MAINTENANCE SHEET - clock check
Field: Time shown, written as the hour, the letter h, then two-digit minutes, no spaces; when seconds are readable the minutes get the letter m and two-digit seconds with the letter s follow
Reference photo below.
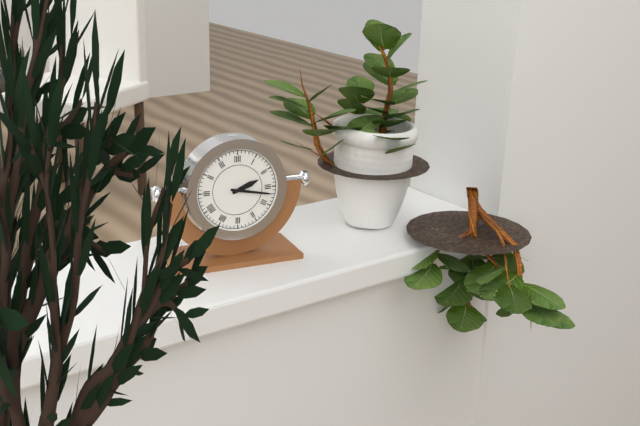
2h17
